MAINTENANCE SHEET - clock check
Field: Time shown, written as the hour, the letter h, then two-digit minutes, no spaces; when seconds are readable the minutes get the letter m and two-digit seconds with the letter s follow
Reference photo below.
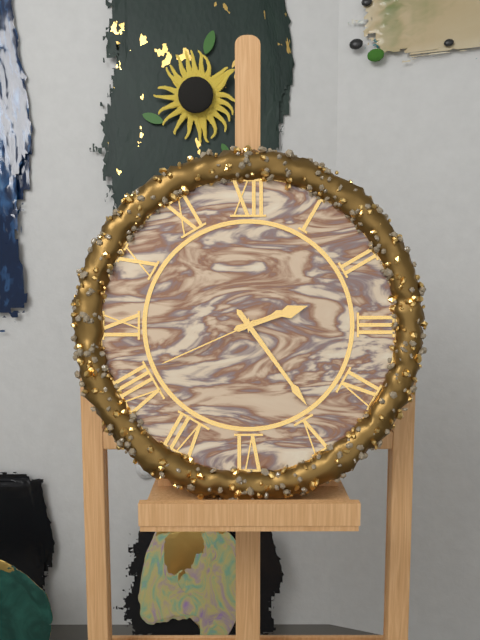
2h24m41s
